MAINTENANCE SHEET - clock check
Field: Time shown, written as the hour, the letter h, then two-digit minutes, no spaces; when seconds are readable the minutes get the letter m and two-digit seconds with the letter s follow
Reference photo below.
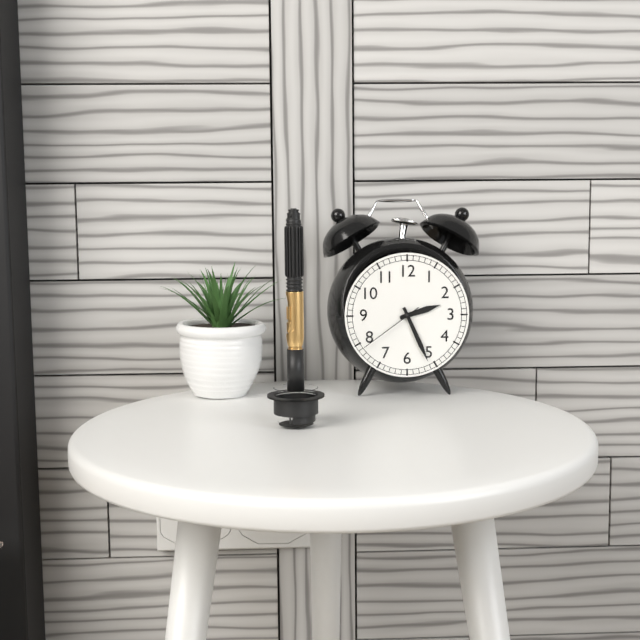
2h26m39s
